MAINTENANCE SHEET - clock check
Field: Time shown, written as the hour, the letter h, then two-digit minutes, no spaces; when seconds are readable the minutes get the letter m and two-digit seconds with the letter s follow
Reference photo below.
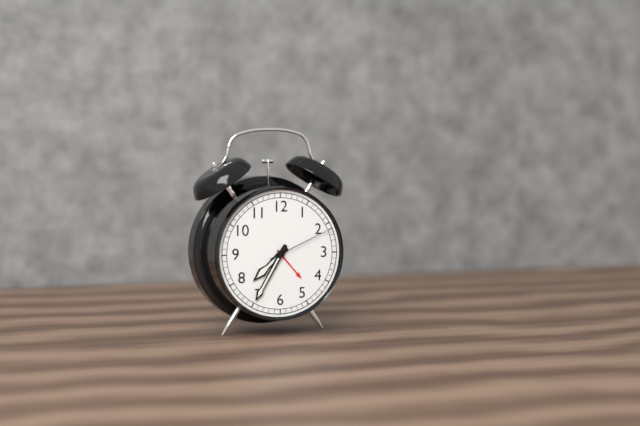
7h35m11s
